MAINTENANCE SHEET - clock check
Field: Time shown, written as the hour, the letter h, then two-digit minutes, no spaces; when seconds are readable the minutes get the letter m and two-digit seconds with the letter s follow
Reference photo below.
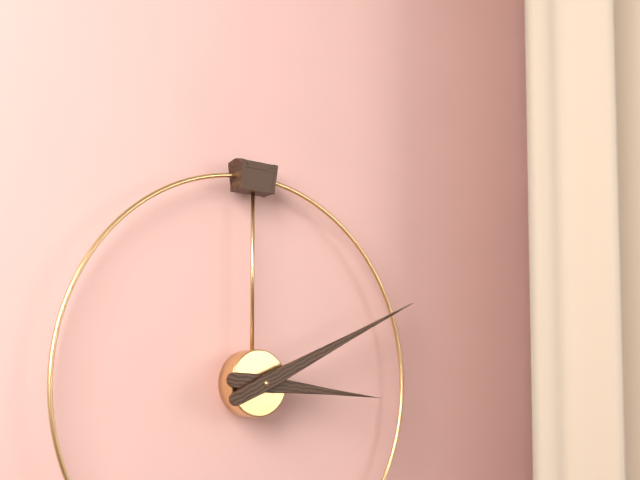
3h11
